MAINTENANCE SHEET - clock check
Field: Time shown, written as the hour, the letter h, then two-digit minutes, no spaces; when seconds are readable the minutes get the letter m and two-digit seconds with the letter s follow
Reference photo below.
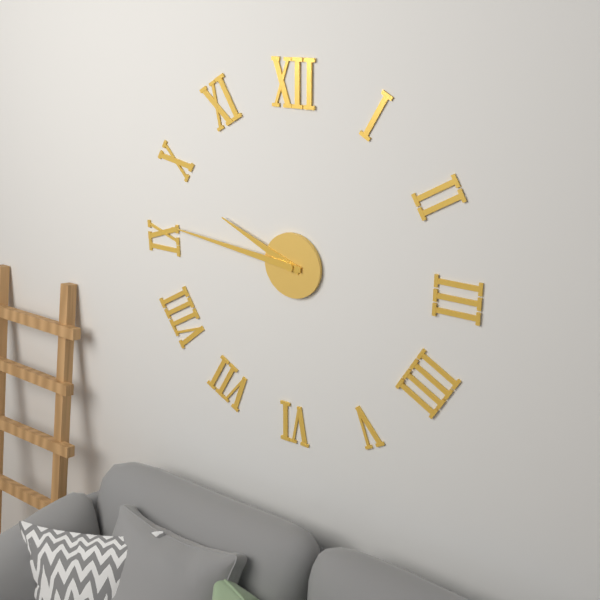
9h46
